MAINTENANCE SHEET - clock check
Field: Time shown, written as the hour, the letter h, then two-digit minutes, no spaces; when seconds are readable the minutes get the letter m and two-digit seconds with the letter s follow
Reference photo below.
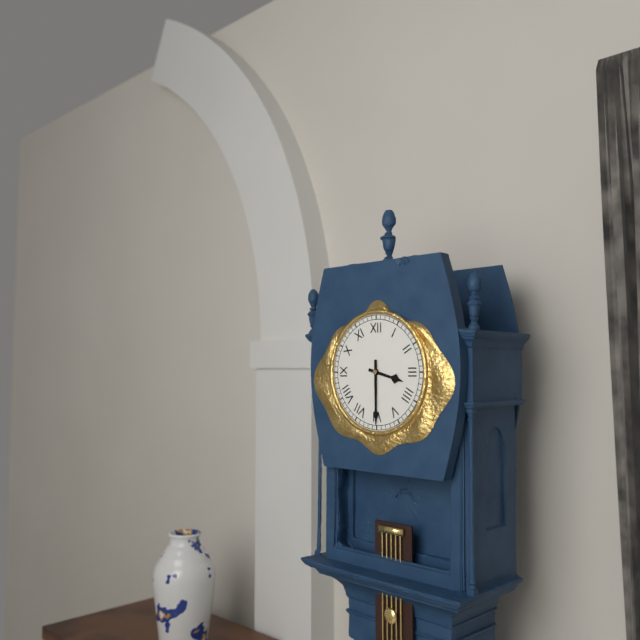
3h30
